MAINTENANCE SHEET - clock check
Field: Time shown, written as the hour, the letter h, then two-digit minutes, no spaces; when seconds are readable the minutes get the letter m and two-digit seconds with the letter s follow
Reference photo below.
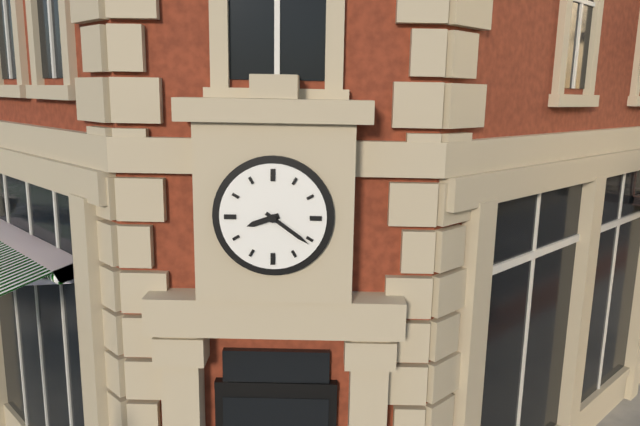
8h21
